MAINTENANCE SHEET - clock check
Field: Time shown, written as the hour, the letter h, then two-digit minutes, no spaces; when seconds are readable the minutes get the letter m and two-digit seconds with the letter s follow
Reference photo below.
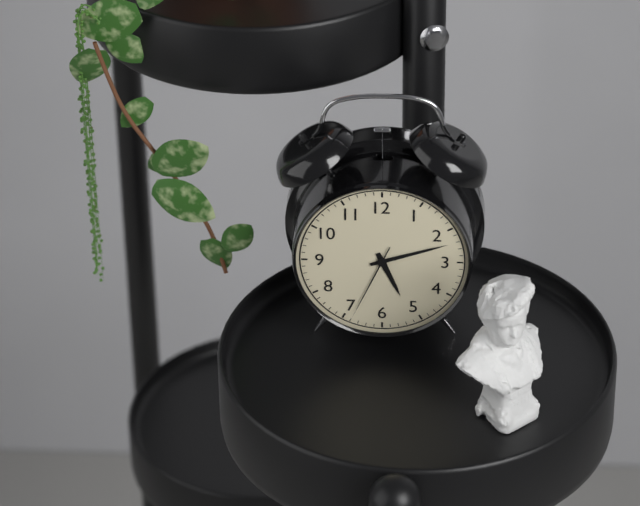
5h12m34s
